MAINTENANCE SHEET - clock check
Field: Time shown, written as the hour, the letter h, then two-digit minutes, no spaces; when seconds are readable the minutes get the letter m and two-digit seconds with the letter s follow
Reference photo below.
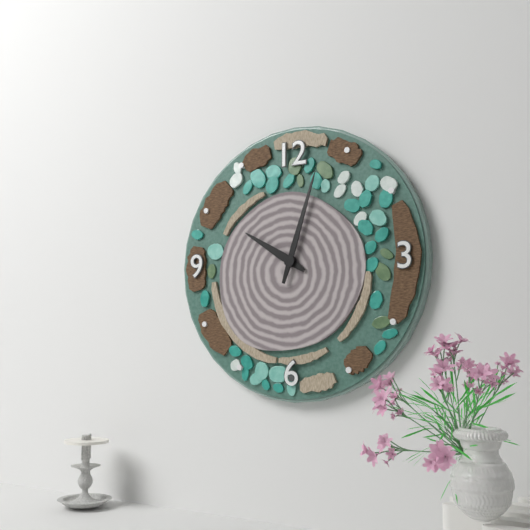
10h03
